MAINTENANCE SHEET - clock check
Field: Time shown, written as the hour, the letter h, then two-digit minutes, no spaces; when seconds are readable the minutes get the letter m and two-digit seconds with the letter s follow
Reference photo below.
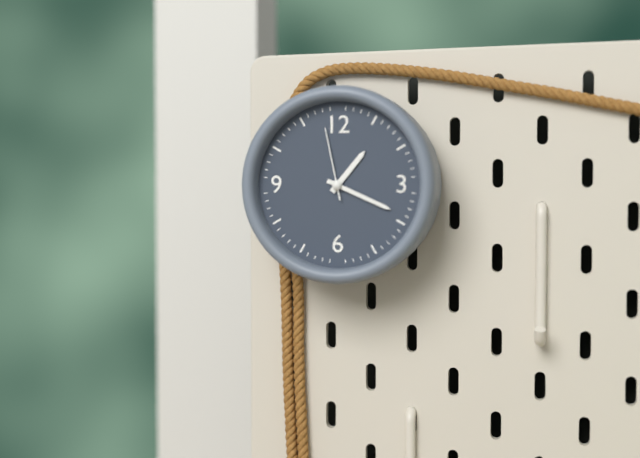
1h19m58s
